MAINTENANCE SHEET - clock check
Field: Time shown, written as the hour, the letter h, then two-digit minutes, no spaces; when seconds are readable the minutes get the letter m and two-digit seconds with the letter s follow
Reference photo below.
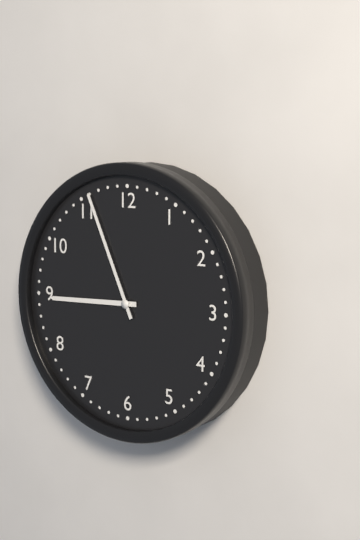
8h56
